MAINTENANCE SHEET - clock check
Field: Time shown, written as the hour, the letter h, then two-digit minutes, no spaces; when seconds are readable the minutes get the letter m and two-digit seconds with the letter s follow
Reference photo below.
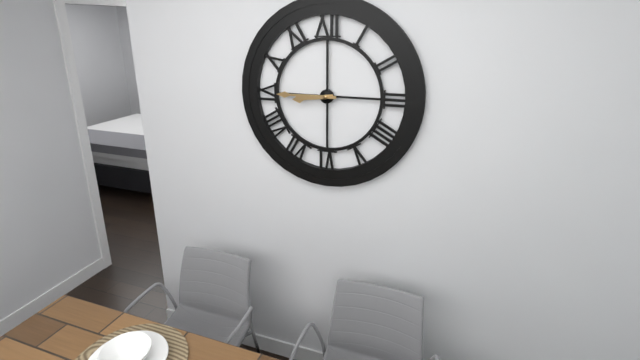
8h45
